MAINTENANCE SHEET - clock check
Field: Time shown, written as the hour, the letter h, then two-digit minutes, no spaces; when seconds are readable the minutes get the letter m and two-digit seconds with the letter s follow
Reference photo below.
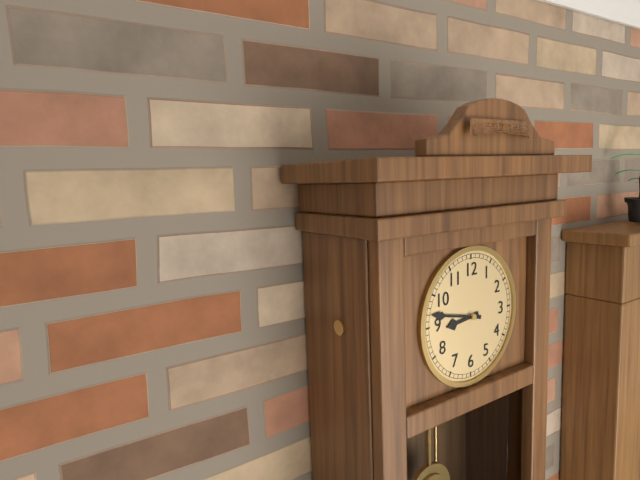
8h47
